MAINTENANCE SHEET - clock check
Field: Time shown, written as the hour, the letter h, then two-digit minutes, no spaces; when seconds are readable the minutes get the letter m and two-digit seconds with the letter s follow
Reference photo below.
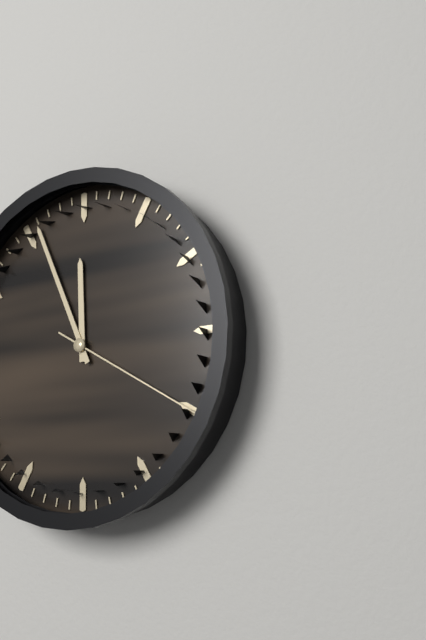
11h56m20s
